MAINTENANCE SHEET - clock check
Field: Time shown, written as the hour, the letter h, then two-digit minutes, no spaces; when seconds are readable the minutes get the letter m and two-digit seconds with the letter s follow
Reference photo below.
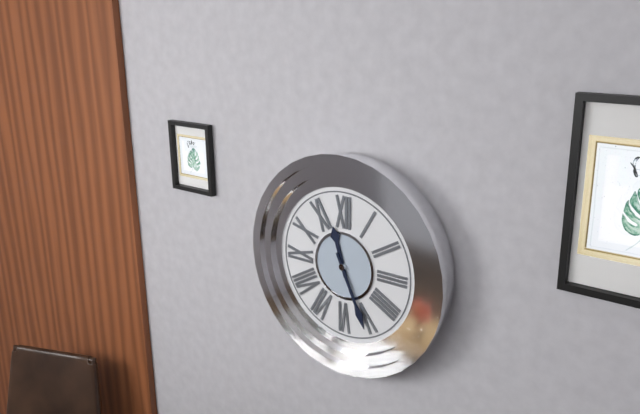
11h26
